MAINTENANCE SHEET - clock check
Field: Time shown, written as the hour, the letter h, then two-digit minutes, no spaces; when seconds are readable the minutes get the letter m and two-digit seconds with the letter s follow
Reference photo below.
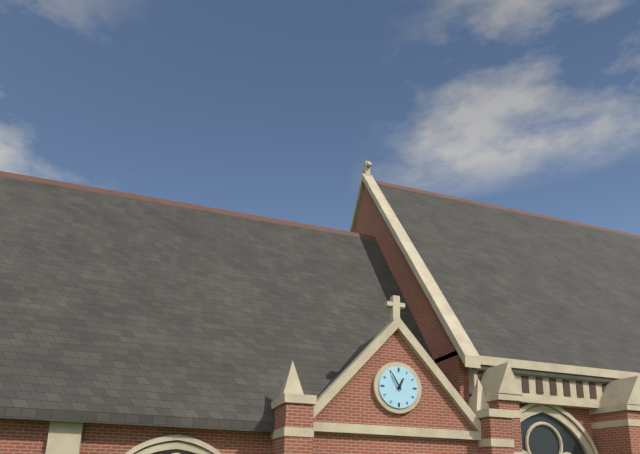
12h55
